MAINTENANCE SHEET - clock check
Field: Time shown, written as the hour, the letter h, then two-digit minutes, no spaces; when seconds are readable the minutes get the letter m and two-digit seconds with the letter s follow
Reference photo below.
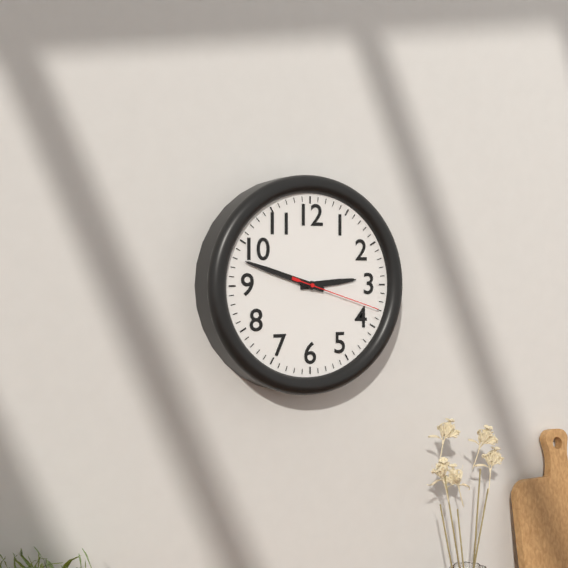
2h48m18s
